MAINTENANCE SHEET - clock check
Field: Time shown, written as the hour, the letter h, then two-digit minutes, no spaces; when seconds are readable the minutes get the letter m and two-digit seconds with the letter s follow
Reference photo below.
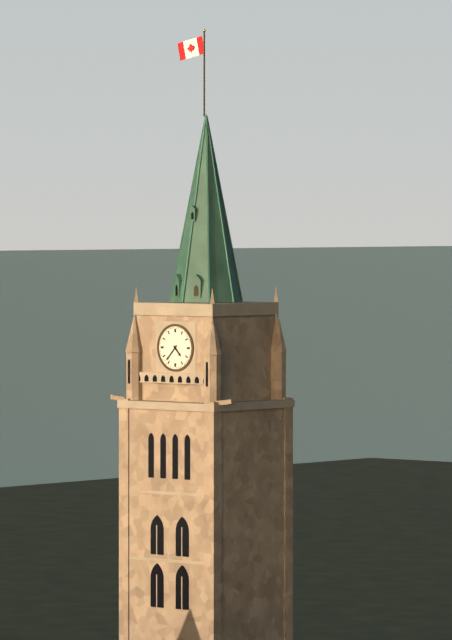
4h37
